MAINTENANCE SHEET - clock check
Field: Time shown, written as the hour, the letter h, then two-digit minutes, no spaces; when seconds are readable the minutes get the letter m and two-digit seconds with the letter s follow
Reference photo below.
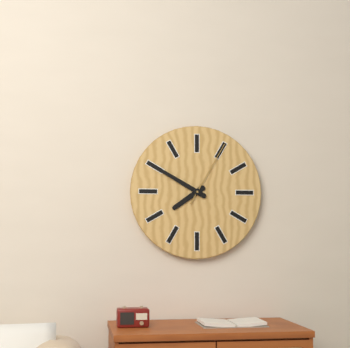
7h50m05s
